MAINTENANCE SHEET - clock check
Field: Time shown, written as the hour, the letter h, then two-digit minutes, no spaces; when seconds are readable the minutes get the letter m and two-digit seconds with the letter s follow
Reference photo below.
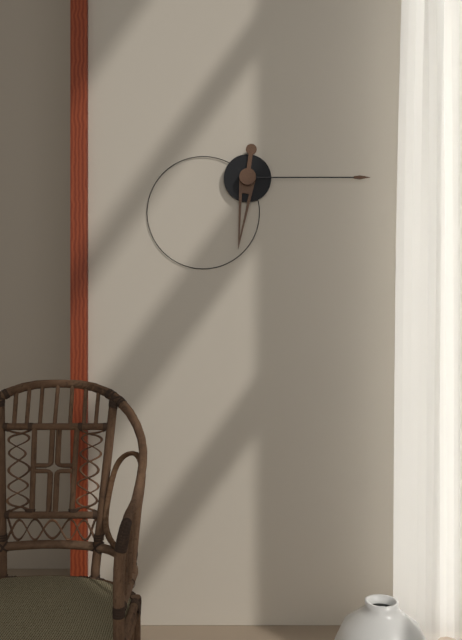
6h15
